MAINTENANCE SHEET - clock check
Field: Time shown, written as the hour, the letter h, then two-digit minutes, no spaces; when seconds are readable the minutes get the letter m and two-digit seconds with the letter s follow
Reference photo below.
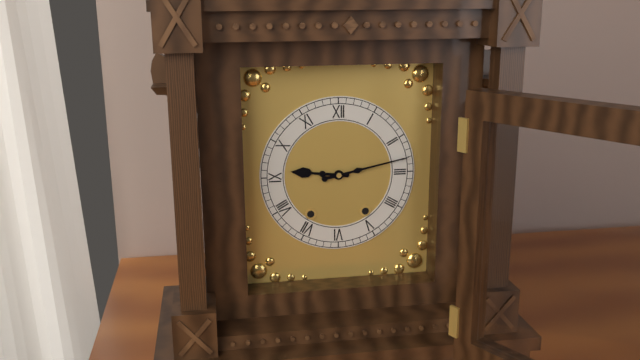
9h13
